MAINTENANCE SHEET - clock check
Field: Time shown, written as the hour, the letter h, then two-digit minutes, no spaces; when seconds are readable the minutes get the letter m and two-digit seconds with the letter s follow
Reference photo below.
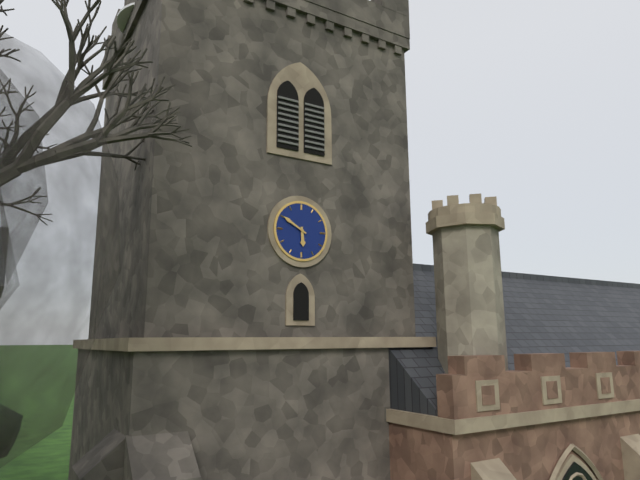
5h50
